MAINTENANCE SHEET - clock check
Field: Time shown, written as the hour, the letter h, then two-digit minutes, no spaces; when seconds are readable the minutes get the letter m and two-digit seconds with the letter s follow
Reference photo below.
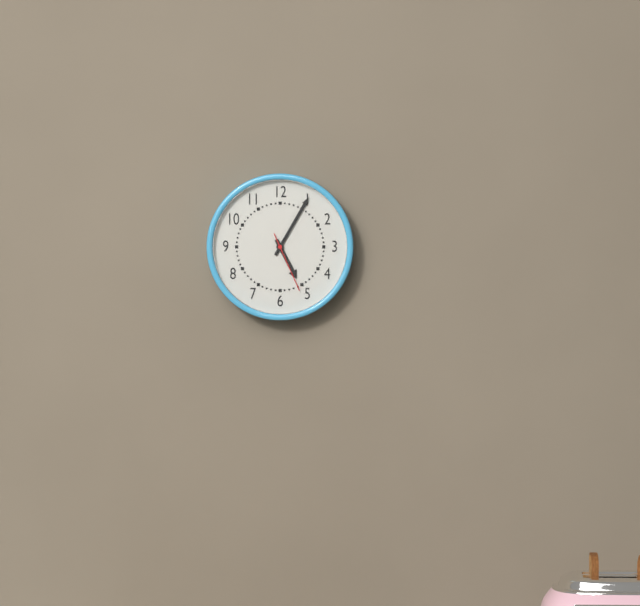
5h05m26s
